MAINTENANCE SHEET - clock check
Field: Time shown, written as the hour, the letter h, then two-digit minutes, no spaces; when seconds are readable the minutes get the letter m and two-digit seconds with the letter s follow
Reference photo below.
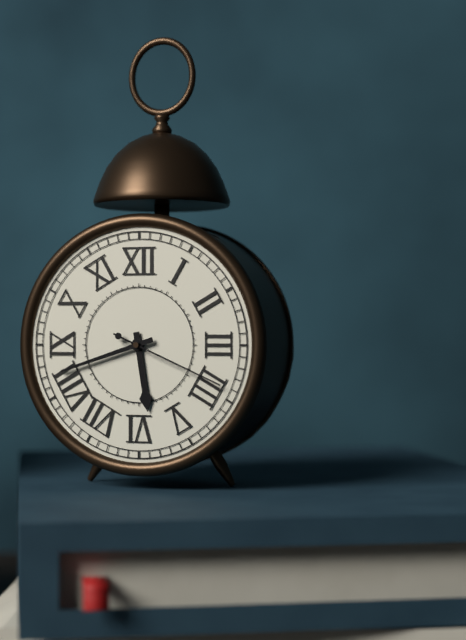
5h42m19s
